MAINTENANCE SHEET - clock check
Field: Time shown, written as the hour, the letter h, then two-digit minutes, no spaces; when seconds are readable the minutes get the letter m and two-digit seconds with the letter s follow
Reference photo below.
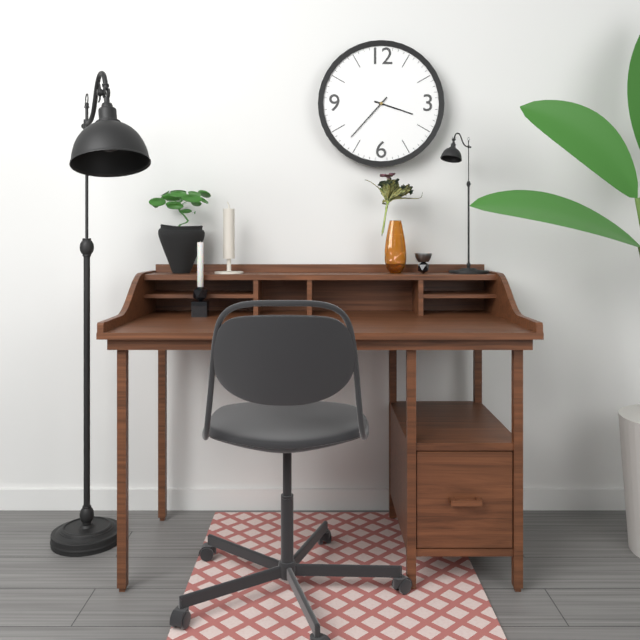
3h37
